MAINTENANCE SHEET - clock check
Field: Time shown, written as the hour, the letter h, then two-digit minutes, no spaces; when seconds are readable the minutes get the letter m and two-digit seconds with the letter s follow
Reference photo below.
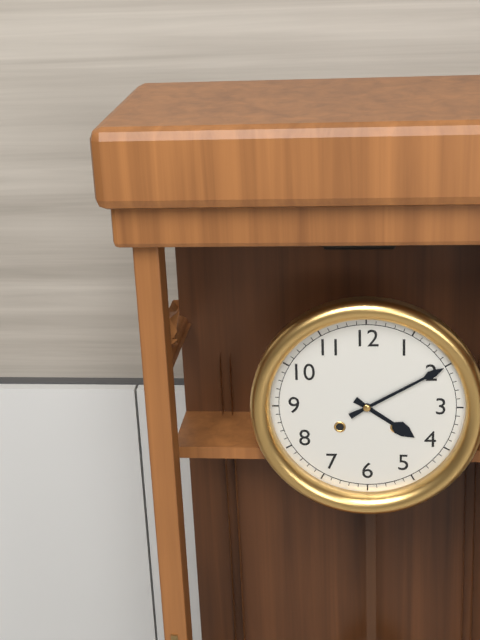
4h10
